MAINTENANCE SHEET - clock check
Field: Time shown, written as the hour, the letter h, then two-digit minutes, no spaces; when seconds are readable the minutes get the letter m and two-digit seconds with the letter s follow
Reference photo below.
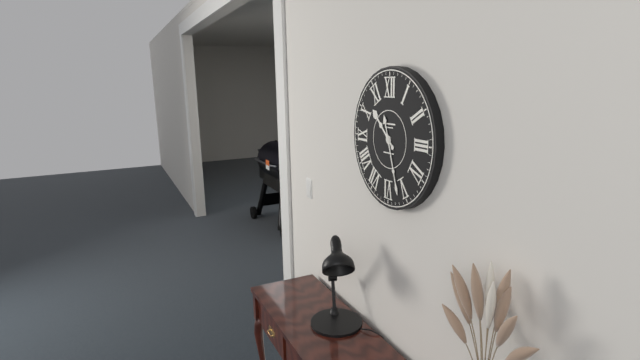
10h27
